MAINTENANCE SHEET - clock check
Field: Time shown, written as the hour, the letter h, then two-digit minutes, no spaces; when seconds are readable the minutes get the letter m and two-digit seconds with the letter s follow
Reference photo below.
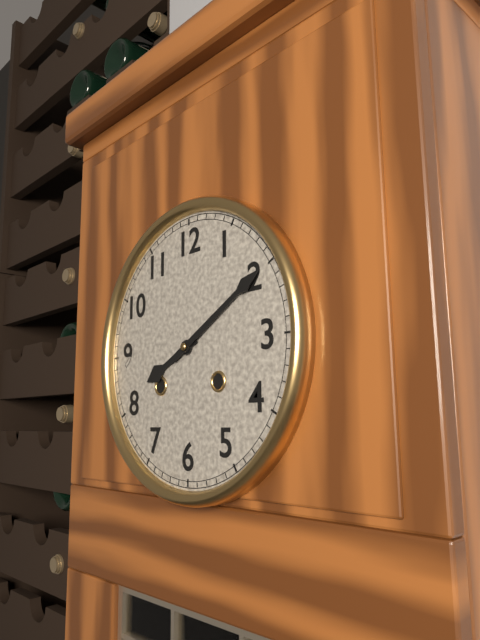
8h10
